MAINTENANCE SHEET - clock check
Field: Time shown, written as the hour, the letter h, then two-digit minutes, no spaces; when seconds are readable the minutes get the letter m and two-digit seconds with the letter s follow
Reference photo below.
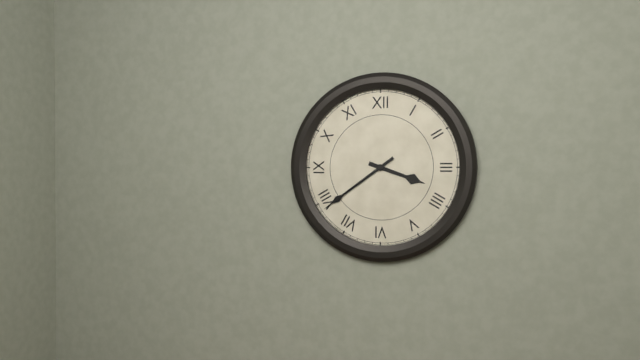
3h39
